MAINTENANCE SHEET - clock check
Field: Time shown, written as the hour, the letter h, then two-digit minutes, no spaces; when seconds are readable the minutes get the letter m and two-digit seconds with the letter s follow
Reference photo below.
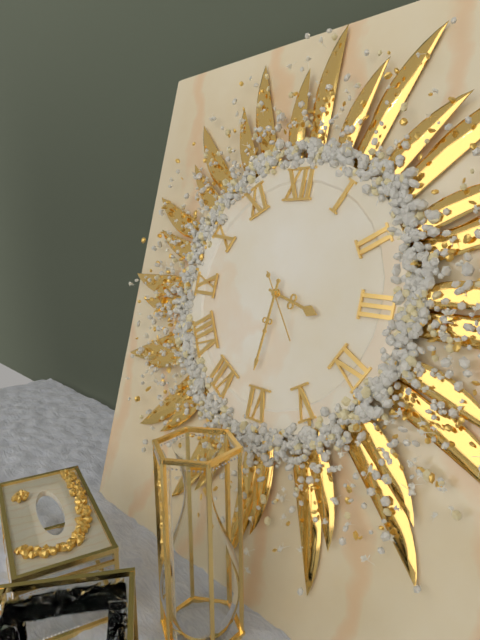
3h31m24s
